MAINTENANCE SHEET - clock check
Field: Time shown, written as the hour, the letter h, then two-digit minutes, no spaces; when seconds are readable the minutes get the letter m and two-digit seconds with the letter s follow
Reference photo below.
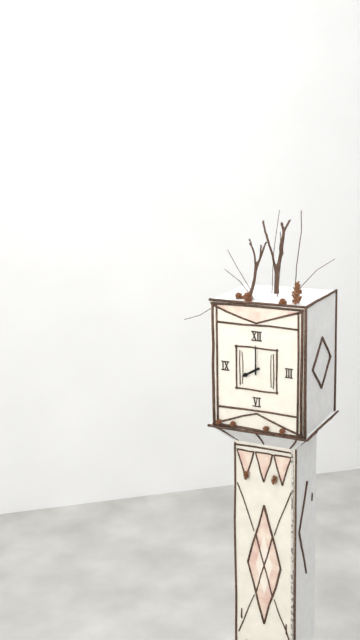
8h00
